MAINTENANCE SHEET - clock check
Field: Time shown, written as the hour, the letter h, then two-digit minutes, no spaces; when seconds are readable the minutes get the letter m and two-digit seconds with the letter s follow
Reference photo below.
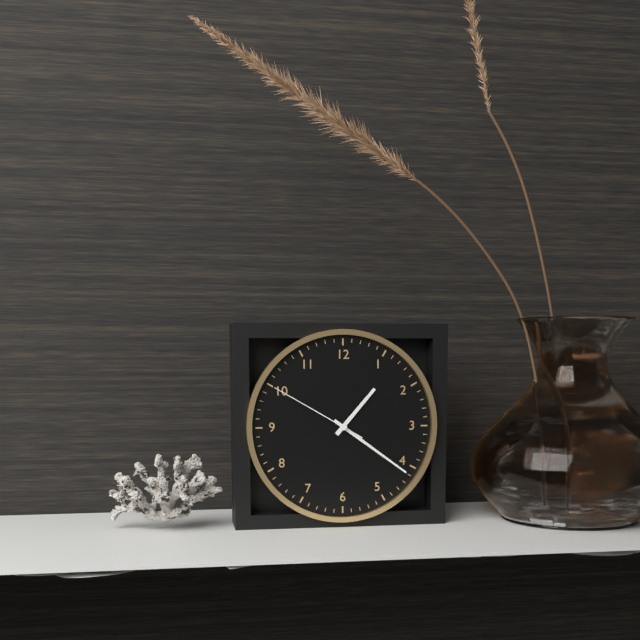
1h21m50s
